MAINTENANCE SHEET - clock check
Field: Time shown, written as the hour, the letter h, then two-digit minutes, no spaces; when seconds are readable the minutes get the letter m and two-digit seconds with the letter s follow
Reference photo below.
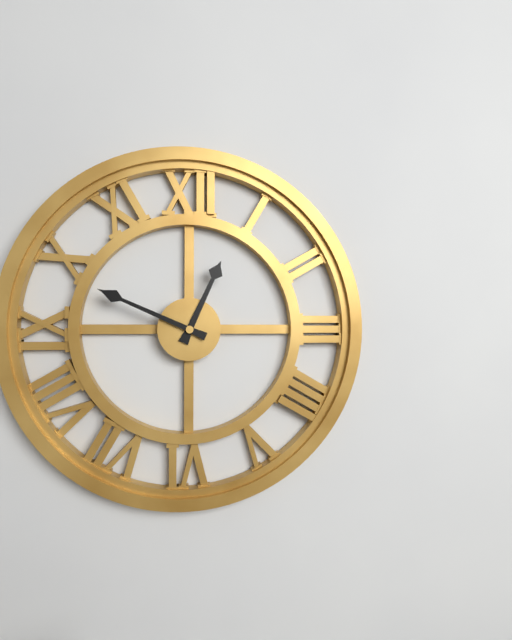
12h49
